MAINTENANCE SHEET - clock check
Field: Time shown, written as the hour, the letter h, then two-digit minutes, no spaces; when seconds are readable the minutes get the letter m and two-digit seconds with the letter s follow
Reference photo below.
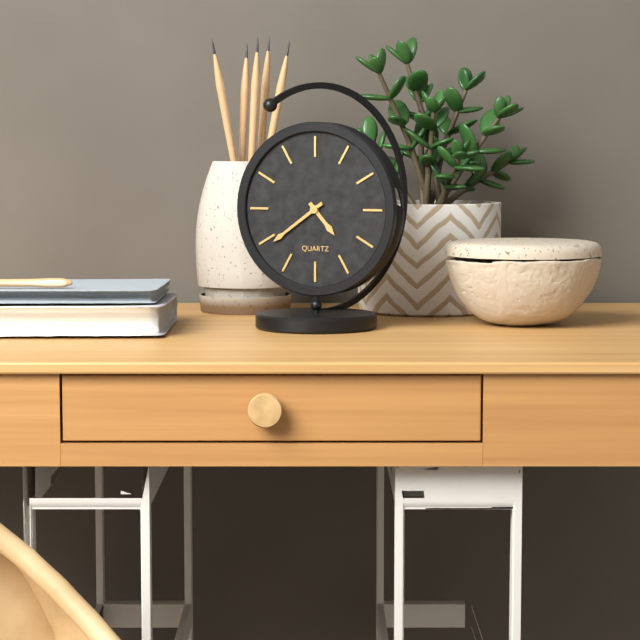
4h39
